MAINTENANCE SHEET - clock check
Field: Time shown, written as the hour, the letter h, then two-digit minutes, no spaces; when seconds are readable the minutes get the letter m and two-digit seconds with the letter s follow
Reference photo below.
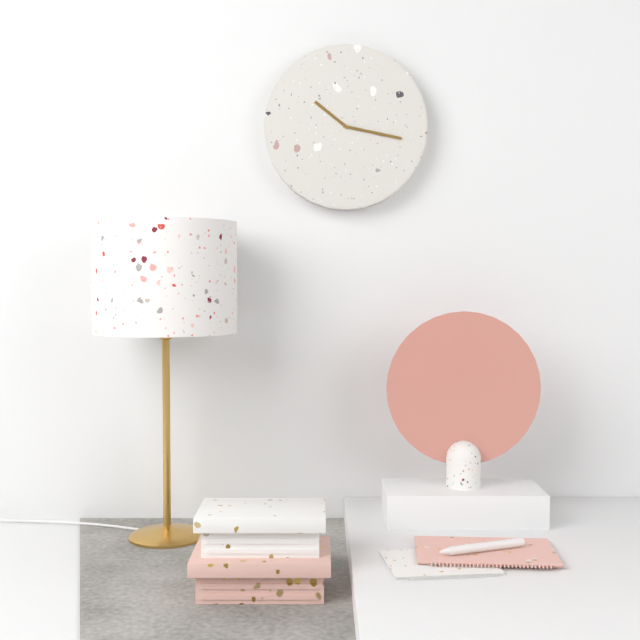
10h17
